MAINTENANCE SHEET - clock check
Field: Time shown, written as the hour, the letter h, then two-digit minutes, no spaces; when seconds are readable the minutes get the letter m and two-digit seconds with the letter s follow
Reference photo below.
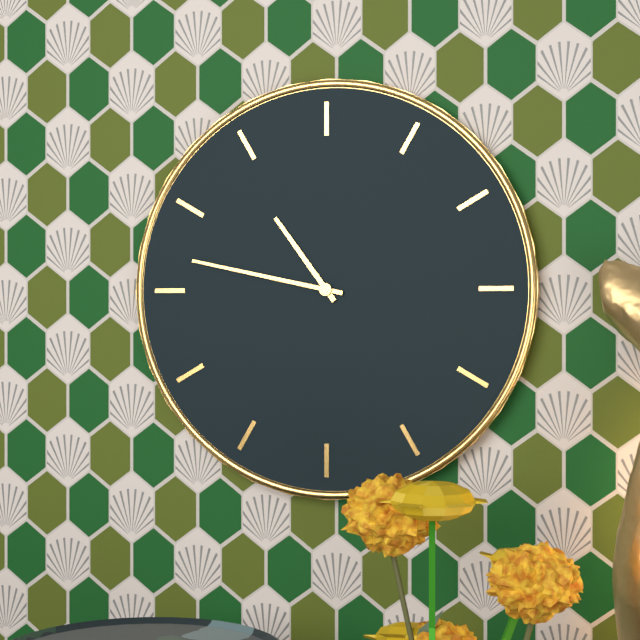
10h47
